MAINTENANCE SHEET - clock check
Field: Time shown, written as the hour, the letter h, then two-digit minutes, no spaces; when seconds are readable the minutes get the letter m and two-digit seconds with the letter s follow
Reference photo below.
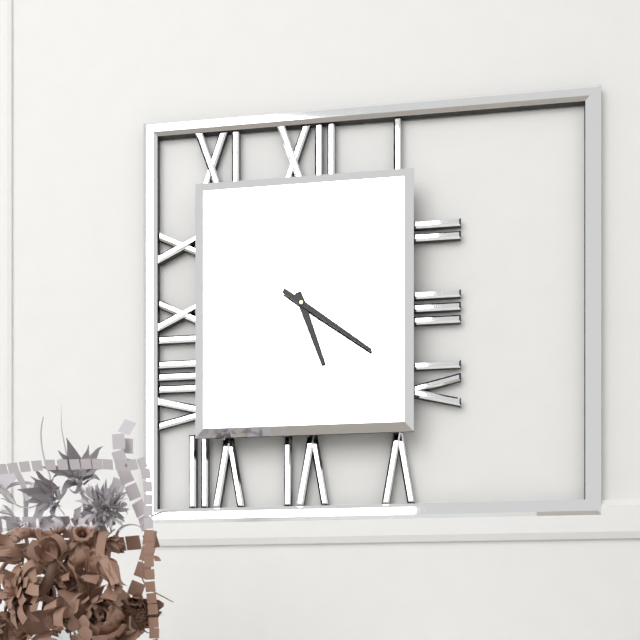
5h21
